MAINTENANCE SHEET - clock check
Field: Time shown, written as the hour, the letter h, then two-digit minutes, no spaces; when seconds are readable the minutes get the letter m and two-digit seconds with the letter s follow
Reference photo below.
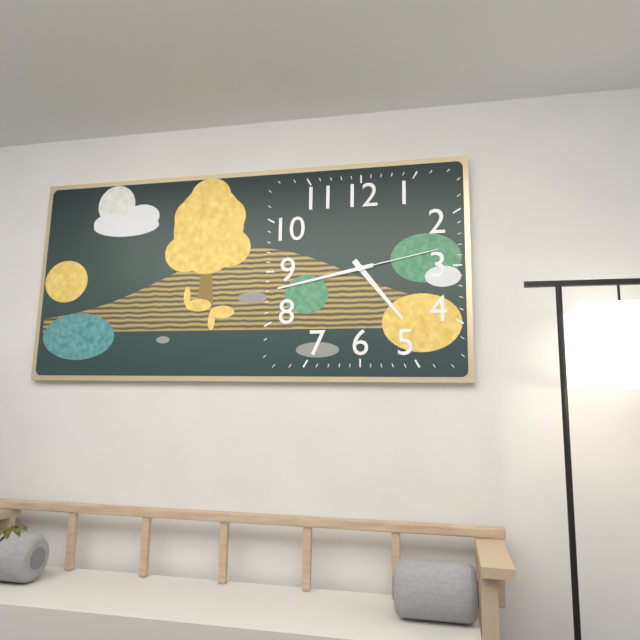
4h43m13s
